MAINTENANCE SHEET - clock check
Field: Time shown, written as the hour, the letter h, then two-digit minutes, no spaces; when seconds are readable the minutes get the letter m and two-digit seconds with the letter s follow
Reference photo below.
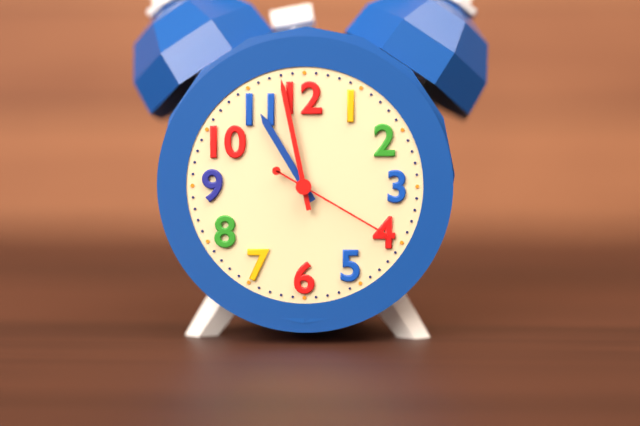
10h58m20s
